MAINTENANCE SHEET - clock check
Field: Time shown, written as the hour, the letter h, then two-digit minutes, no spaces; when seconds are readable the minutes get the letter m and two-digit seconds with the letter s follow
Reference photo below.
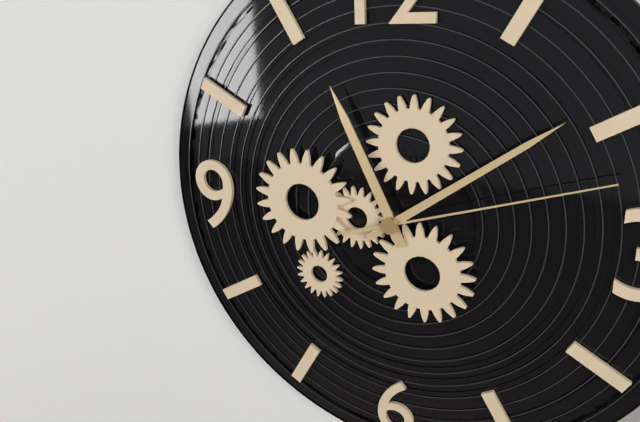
11h09m12s
